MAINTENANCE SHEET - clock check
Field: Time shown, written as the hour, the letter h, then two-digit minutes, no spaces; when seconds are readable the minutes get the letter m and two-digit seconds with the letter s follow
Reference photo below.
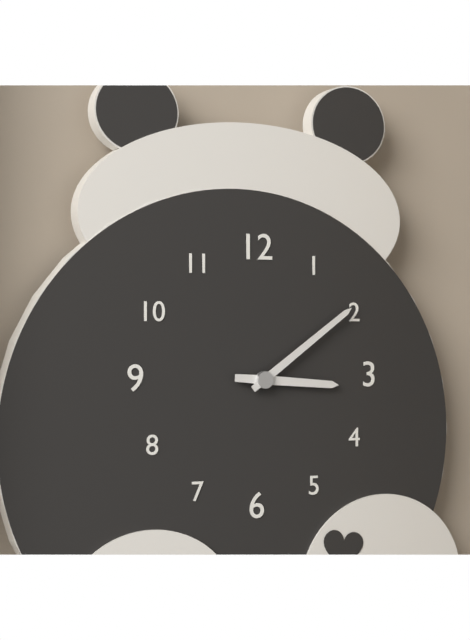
3h09
